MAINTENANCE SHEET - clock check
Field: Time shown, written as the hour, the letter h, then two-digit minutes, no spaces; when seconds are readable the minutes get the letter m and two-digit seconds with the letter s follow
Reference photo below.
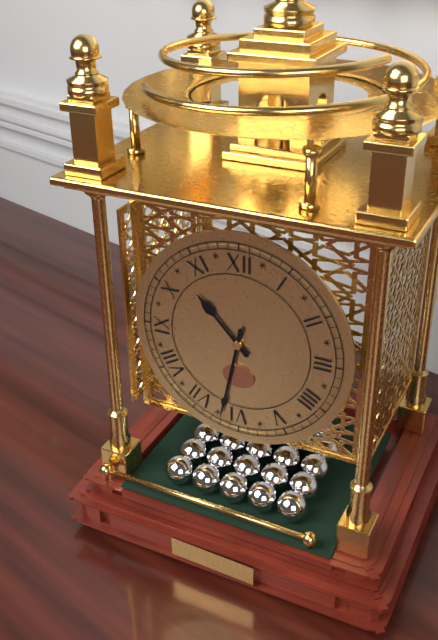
10h32
